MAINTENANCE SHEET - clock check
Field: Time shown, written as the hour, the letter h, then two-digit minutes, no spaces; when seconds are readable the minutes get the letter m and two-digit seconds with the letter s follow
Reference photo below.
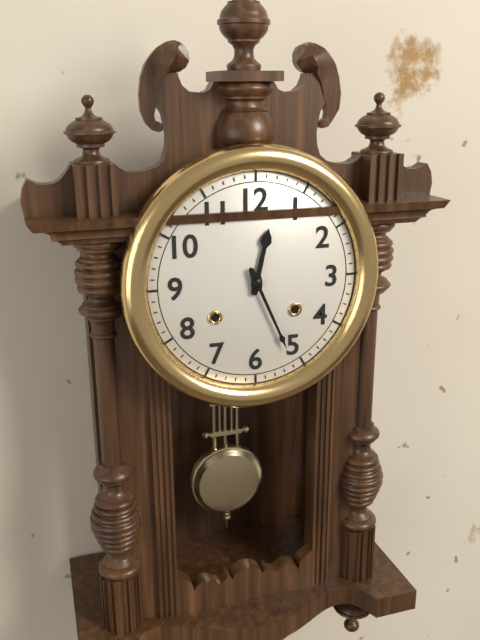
12h26
